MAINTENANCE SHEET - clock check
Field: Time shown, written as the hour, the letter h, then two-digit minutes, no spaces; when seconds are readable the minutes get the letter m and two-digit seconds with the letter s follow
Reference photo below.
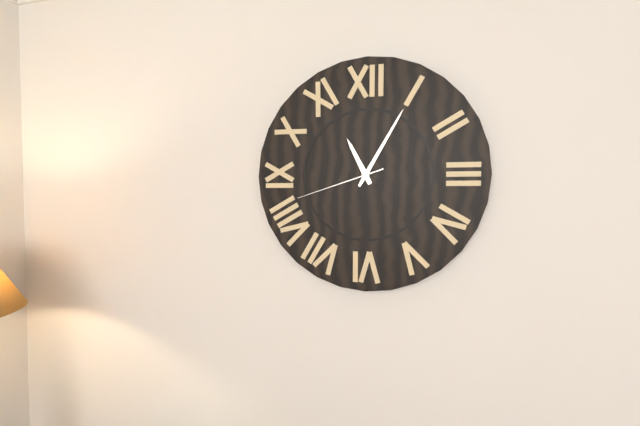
11h05m42s
